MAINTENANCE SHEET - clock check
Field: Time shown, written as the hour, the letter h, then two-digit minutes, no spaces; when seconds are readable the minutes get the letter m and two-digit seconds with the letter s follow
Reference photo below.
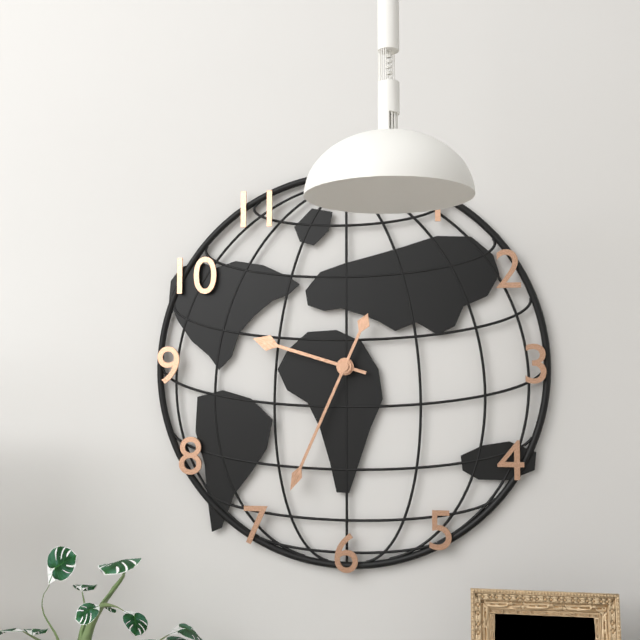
9h34
